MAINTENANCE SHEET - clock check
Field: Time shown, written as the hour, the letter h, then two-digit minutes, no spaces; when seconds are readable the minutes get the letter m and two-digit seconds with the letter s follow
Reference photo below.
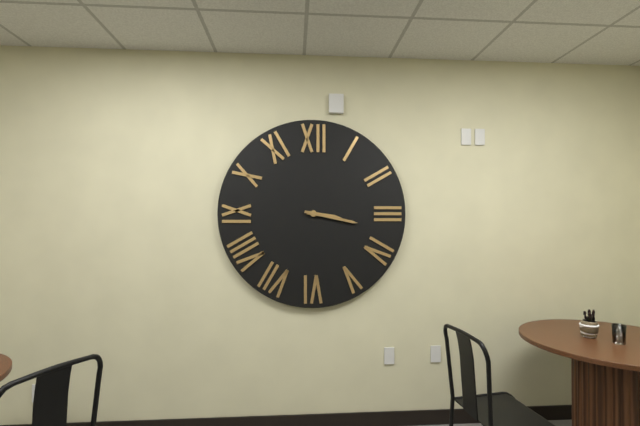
3h17
